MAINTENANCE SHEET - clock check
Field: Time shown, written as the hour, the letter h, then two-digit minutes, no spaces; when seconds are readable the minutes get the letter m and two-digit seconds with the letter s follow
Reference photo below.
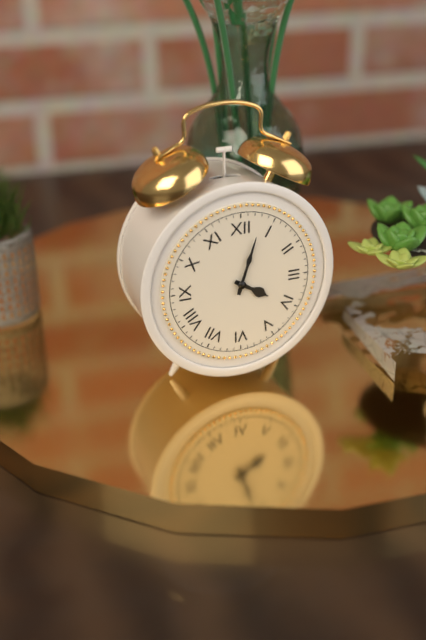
4h03
